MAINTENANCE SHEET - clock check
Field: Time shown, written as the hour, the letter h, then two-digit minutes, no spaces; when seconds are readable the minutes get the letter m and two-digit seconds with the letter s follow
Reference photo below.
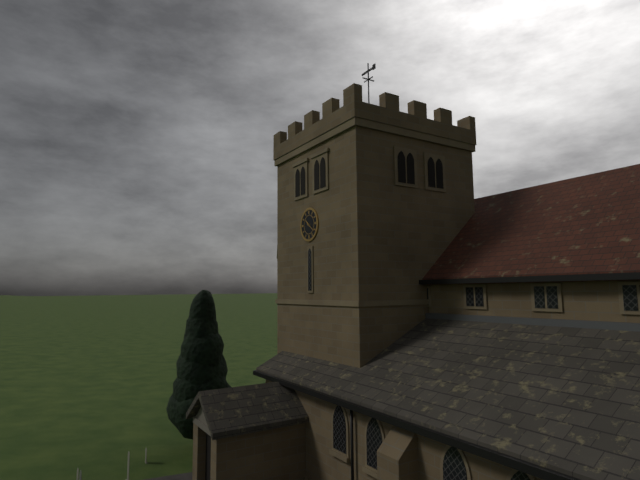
10h21
